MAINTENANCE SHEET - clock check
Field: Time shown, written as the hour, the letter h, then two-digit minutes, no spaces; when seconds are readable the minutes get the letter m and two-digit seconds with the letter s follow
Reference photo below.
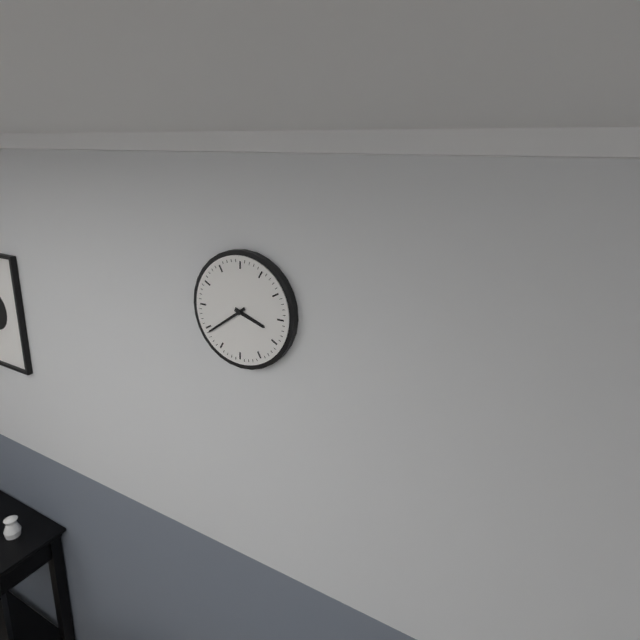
3h39
